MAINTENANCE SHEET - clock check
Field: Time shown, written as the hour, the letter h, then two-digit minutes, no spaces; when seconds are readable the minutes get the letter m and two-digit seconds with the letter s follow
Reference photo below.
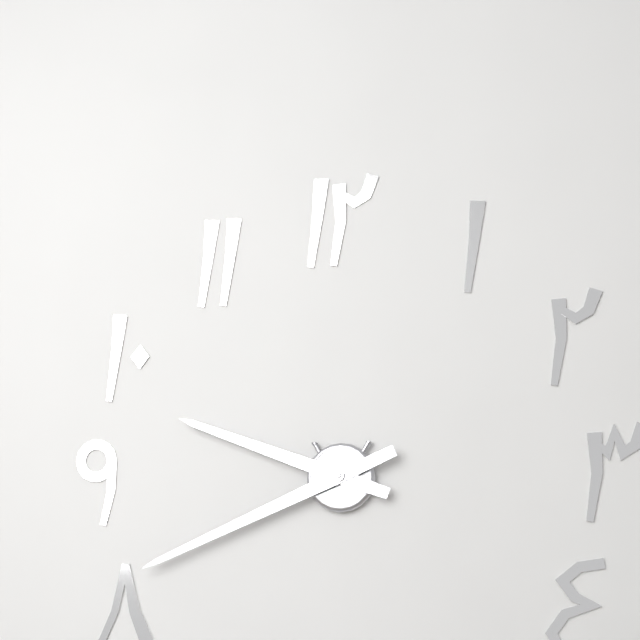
9h41
